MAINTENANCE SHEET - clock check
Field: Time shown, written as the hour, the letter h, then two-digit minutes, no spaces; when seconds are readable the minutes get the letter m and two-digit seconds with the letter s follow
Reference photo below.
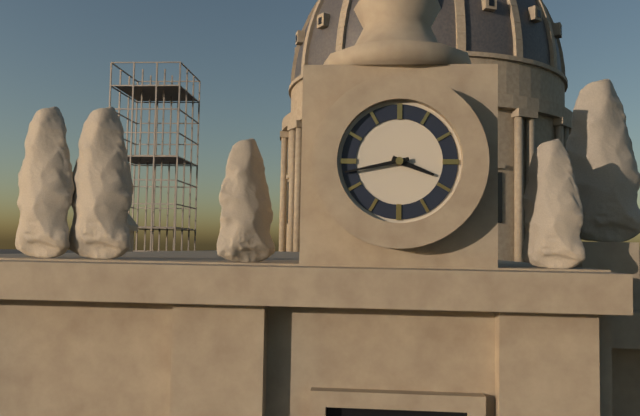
3h43
